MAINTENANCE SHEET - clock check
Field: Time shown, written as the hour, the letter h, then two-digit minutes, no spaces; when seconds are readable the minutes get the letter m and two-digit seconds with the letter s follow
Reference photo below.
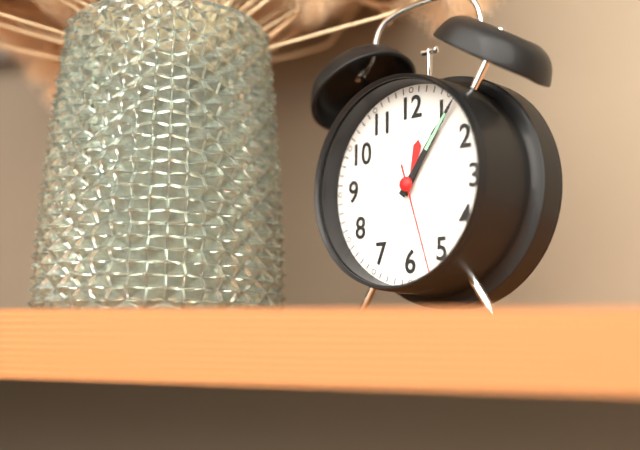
1h06m27s
